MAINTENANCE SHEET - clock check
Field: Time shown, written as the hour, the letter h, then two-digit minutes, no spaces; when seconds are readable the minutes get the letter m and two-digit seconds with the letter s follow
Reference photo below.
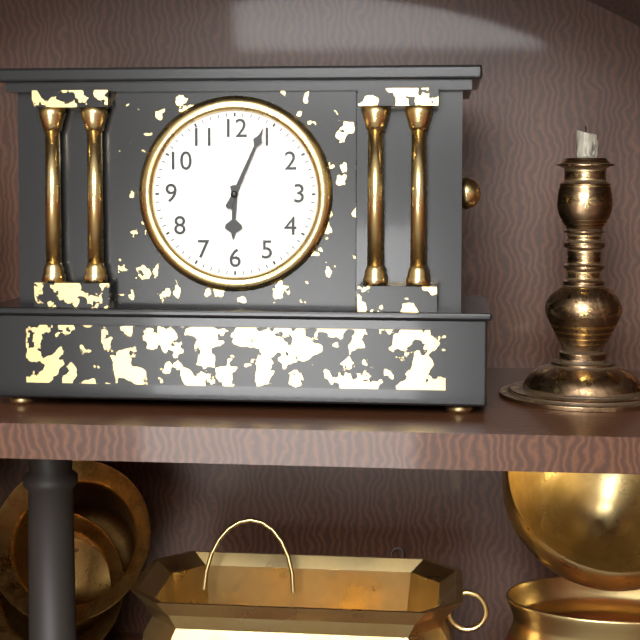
6h04
